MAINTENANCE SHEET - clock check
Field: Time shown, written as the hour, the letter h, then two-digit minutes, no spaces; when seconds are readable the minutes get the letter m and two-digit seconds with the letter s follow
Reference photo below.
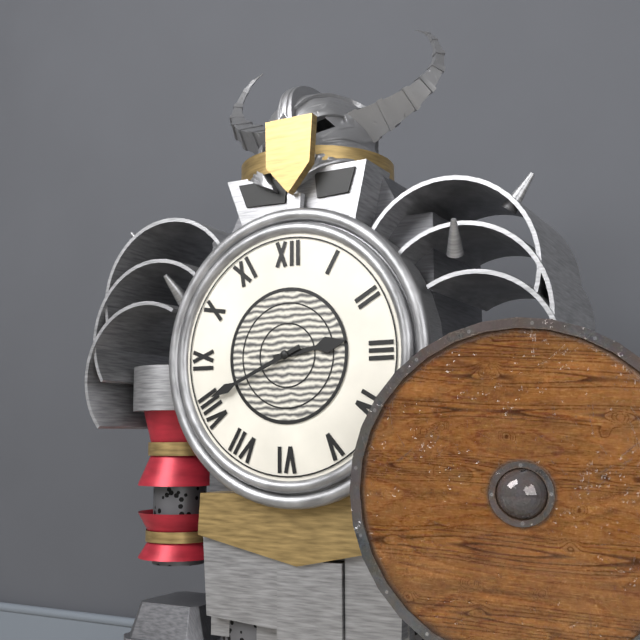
2h41
